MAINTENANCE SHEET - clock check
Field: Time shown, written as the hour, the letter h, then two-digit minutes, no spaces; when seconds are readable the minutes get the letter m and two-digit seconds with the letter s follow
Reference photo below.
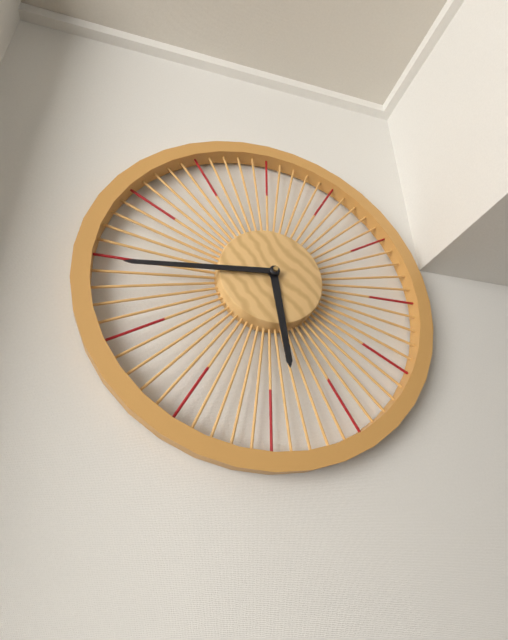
5h44
